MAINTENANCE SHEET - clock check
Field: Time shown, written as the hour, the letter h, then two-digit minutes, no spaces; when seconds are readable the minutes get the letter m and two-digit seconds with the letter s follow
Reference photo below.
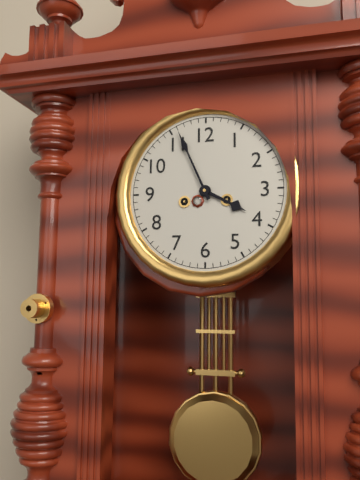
3h56
